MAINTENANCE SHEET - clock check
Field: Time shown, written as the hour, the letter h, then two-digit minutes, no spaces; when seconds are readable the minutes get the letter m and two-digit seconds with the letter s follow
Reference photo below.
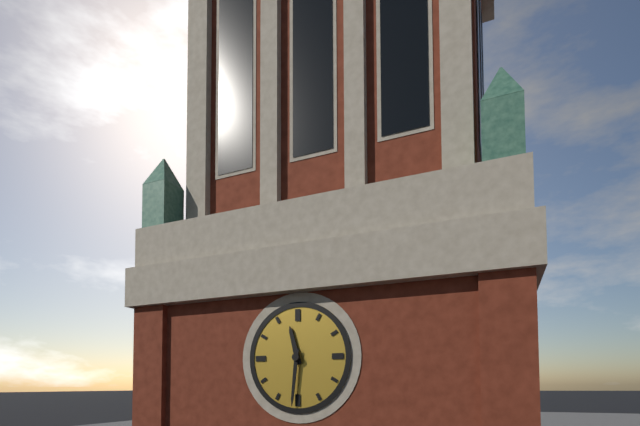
11h31
